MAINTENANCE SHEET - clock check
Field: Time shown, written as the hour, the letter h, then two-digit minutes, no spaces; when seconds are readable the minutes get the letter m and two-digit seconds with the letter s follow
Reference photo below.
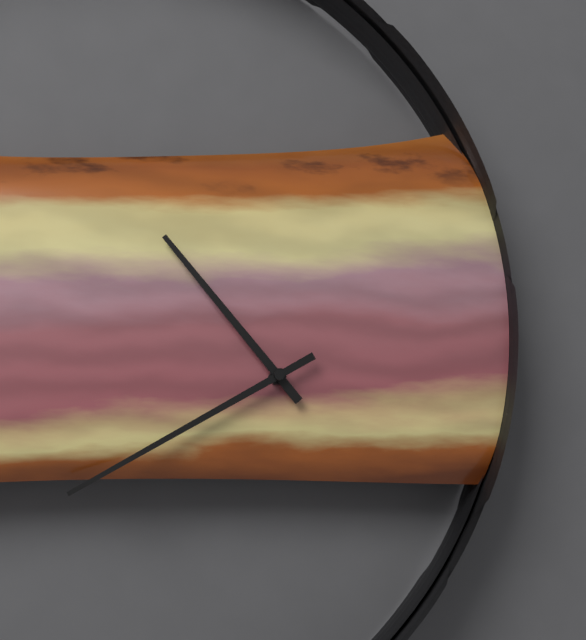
10h40
